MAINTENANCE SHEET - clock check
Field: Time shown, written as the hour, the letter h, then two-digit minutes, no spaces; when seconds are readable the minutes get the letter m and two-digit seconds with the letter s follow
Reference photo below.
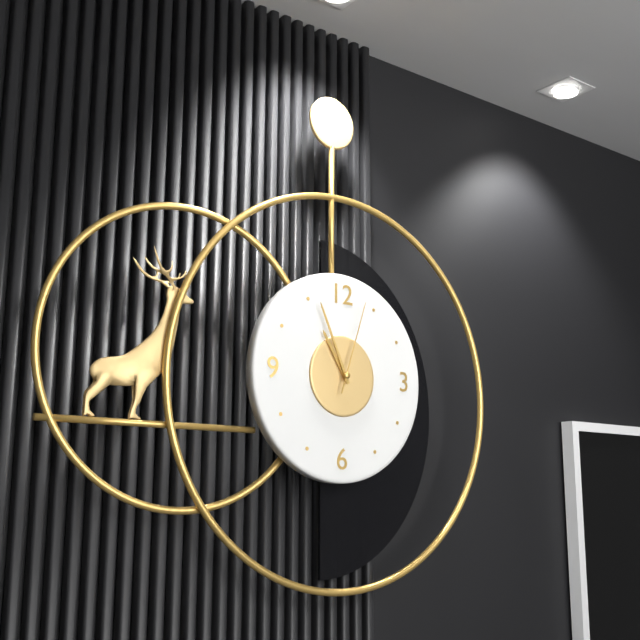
10h56m03s
